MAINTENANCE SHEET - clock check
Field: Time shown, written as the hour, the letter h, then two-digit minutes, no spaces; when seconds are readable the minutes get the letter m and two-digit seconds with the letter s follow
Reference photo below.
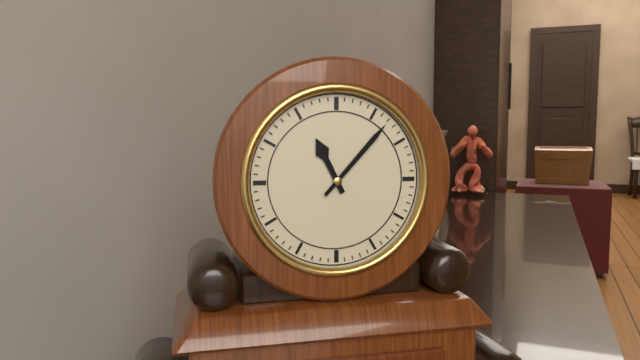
11h07
